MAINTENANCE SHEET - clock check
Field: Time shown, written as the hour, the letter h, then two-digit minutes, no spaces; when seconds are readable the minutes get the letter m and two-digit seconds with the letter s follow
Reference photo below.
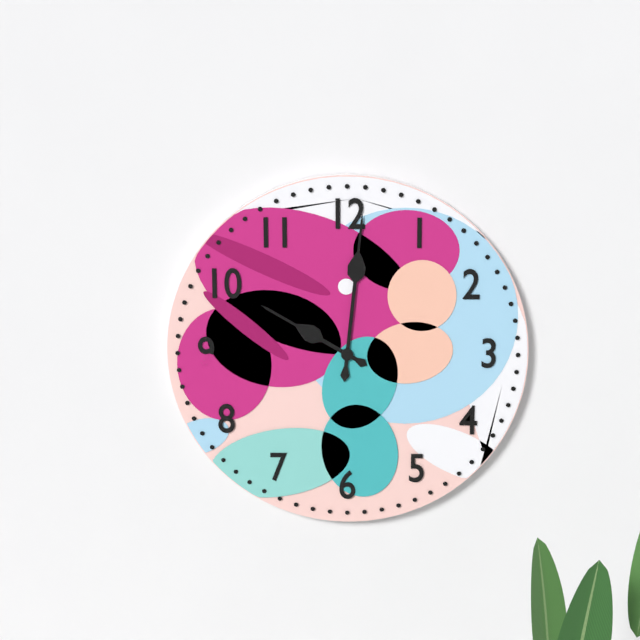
10h01
